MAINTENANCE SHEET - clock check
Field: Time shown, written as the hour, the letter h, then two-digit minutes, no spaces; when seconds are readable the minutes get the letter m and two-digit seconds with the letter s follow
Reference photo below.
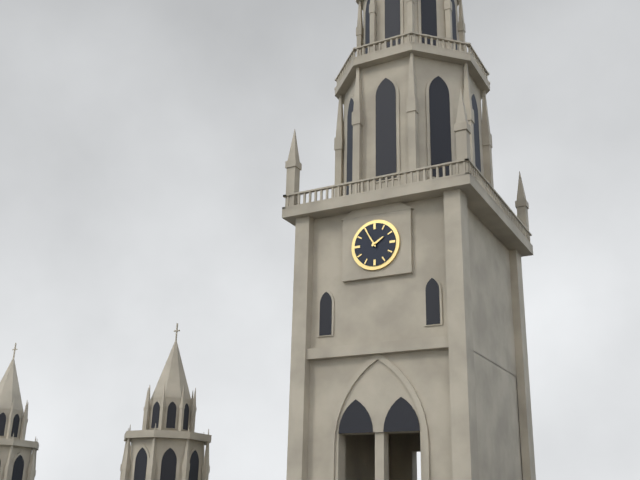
1h55
